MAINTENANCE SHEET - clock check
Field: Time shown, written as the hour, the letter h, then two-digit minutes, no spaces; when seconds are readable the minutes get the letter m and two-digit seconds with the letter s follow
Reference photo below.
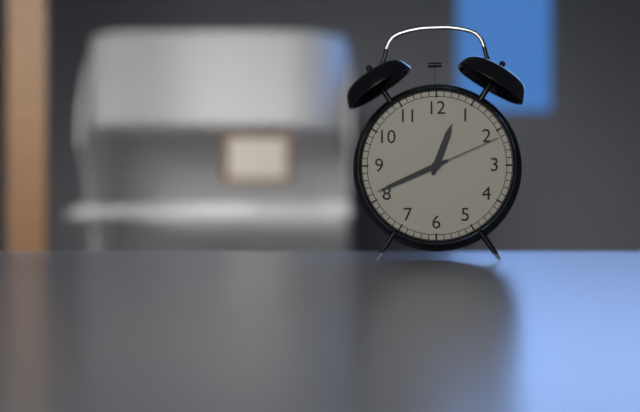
12h41m11s
